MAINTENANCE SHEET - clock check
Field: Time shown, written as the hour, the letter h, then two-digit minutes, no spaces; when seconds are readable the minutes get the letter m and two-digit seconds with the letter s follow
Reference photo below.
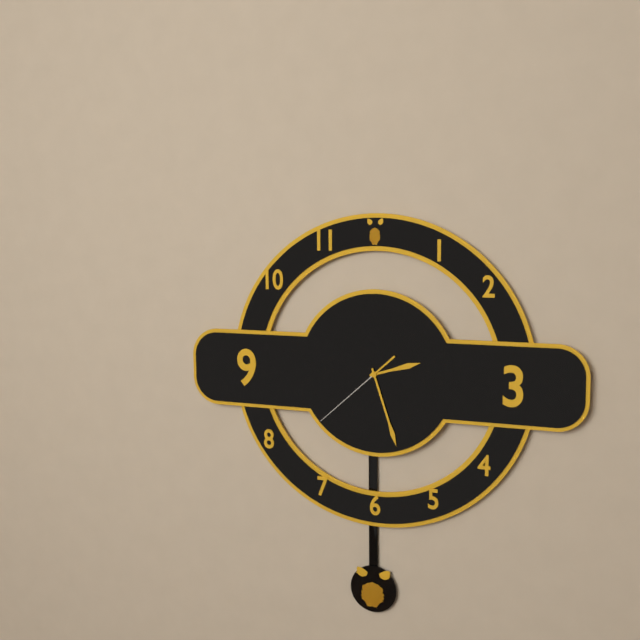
2h27m38s
